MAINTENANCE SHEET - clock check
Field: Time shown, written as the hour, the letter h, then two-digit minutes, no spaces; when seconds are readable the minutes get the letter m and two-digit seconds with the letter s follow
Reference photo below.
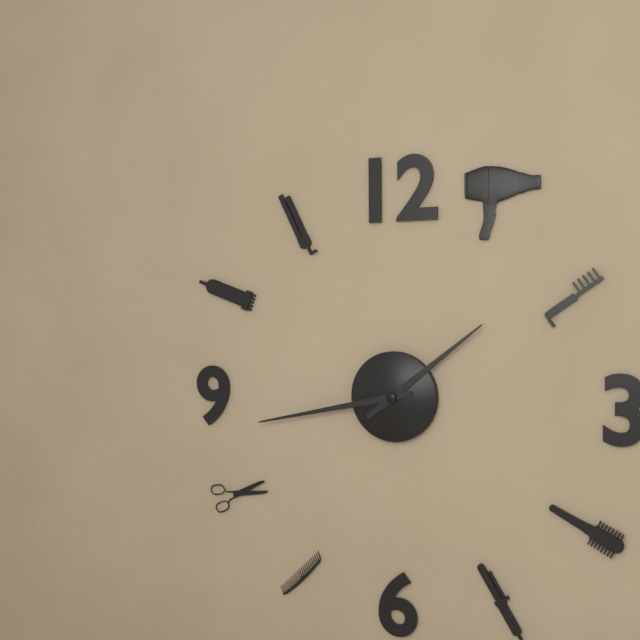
1h43
